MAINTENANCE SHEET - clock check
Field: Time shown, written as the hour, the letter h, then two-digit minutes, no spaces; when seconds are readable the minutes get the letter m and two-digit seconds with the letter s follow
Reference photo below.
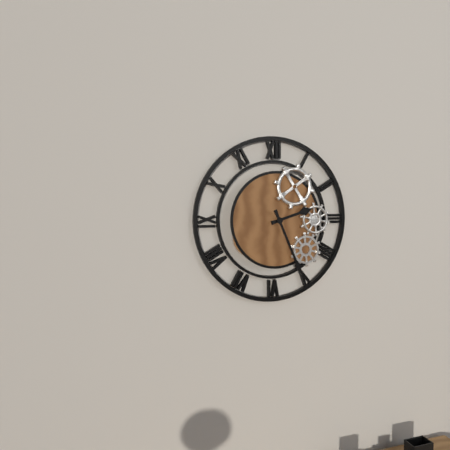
2h26
